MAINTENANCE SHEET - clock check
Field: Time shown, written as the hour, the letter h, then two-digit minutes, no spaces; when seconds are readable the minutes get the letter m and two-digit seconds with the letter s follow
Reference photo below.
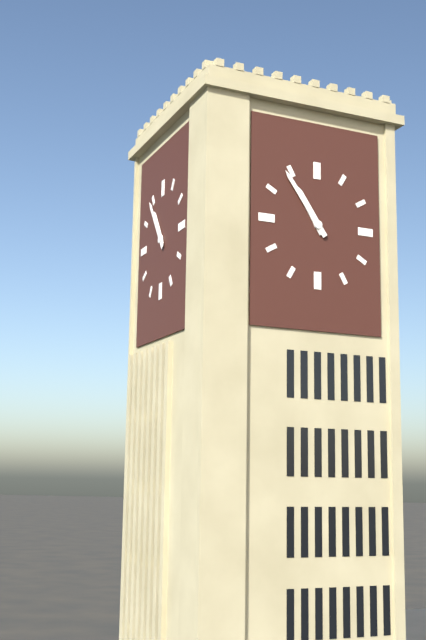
10h54
